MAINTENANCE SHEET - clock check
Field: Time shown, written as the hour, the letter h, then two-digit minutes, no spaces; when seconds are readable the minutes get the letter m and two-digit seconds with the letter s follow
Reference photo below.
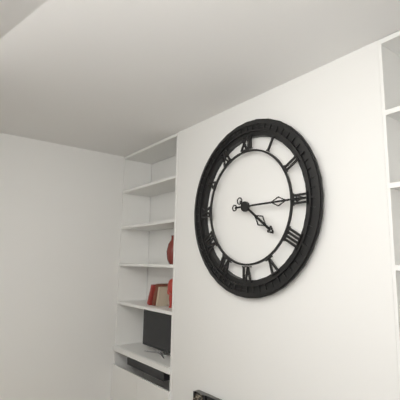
4h15
